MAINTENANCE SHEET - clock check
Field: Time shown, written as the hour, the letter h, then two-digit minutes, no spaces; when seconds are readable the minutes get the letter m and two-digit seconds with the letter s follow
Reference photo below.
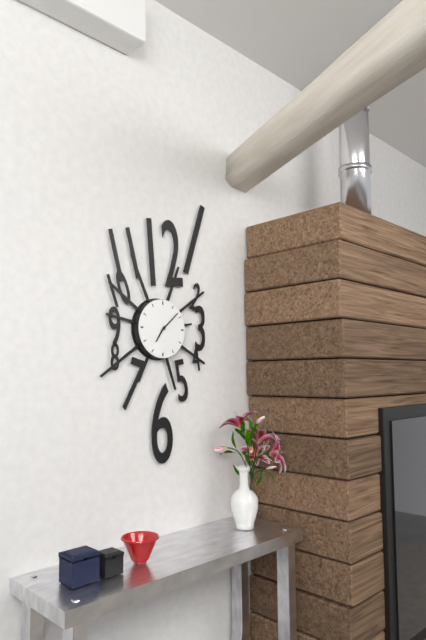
7h08
